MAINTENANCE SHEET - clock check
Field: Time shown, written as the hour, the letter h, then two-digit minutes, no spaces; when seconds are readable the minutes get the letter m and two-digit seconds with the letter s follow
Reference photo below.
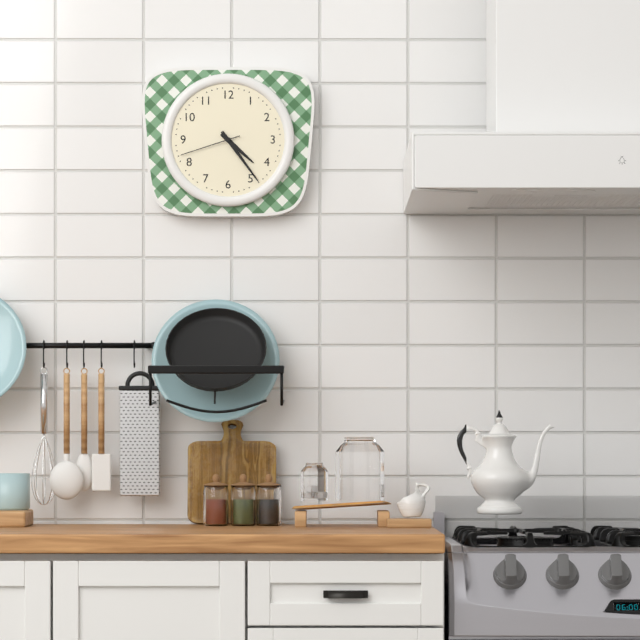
4h24m42s
